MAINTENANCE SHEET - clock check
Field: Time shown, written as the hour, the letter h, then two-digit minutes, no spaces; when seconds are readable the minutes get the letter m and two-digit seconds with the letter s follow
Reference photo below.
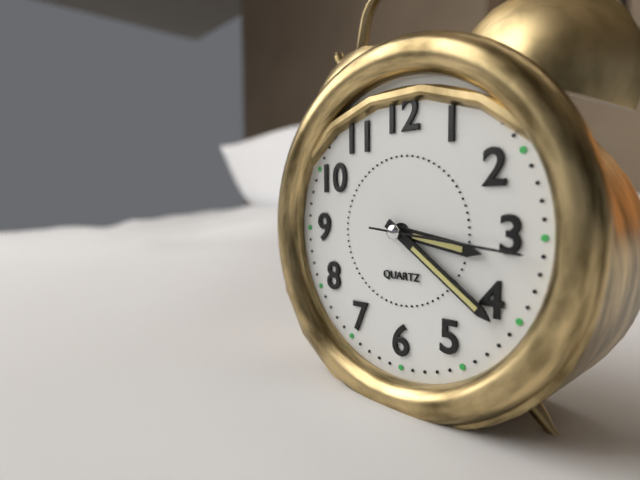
3h21m16s
